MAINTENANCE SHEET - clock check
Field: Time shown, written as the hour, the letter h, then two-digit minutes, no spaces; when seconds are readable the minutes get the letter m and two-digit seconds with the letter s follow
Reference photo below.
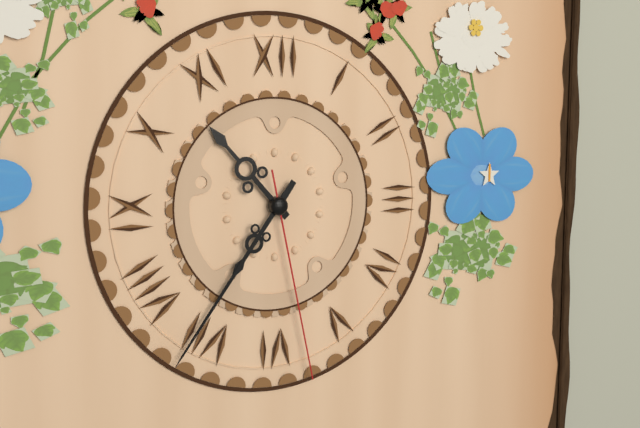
10h36m28s
